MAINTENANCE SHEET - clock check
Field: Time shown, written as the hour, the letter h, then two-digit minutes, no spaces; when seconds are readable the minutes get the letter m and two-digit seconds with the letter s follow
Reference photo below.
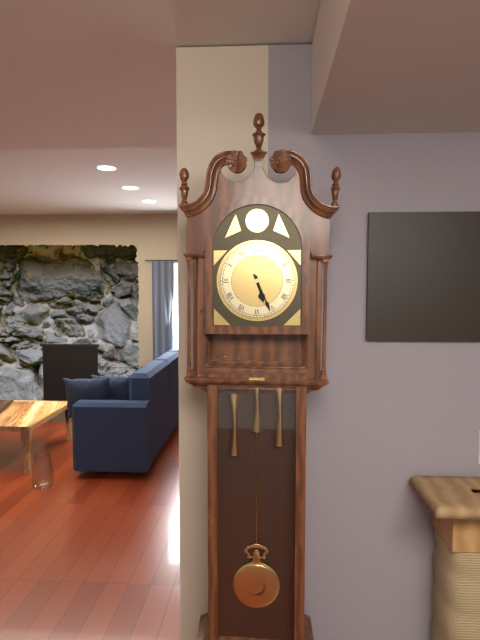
5h26
